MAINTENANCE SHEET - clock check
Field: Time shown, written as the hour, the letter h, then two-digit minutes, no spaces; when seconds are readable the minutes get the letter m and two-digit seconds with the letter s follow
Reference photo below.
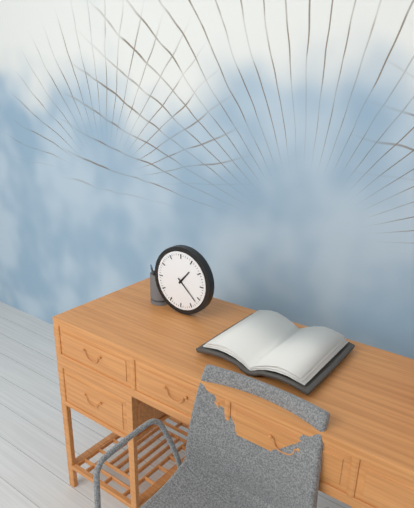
1h22
